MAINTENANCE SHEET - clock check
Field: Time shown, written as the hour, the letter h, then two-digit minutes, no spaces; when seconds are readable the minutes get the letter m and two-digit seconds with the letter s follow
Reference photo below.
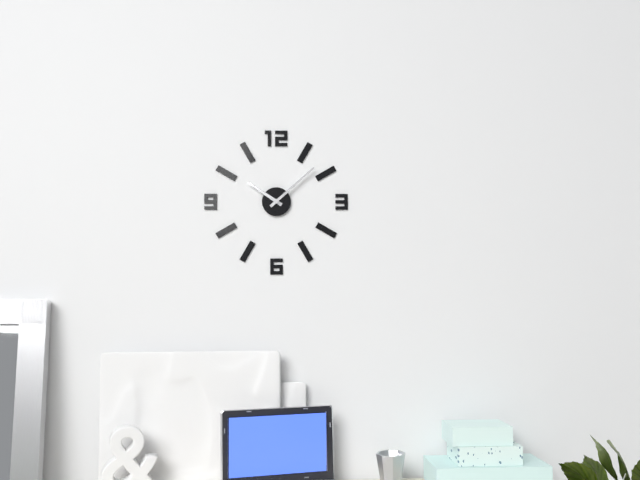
10h08
